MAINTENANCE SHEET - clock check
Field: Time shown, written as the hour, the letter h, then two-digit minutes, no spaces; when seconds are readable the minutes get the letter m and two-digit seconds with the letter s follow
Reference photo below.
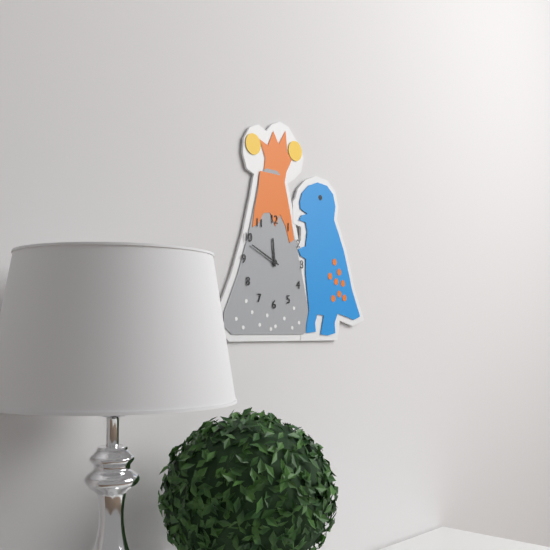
11h49
